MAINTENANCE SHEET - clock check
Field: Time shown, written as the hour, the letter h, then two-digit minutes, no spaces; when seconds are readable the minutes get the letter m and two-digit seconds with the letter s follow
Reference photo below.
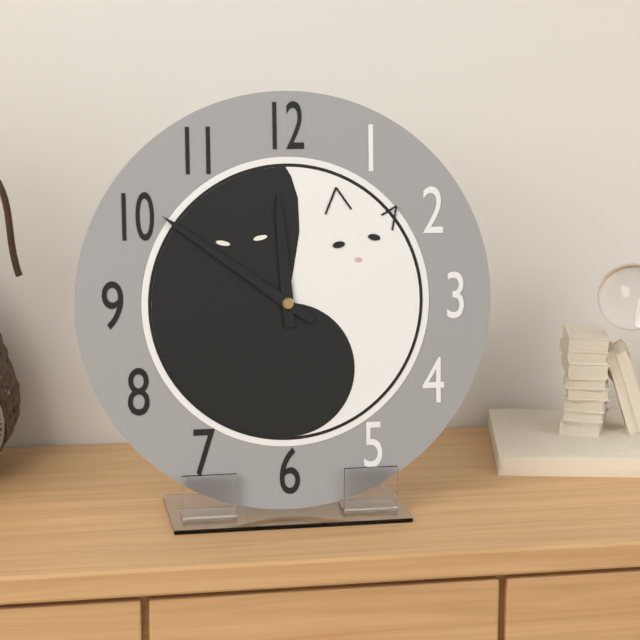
11h51
